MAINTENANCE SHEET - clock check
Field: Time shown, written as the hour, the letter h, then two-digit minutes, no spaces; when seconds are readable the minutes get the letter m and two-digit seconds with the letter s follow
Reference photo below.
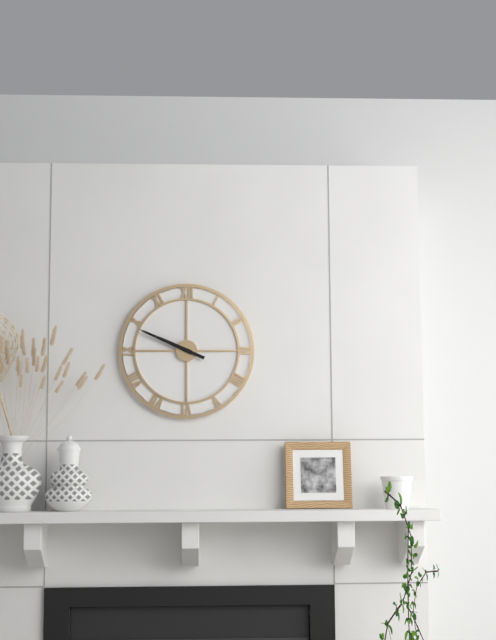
9h49
